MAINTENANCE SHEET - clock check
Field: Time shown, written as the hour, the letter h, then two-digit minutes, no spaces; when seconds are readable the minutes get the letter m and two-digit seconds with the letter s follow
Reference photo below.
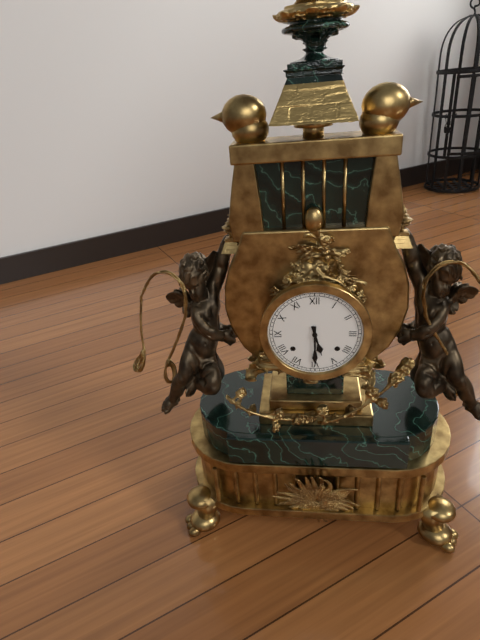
5h30
